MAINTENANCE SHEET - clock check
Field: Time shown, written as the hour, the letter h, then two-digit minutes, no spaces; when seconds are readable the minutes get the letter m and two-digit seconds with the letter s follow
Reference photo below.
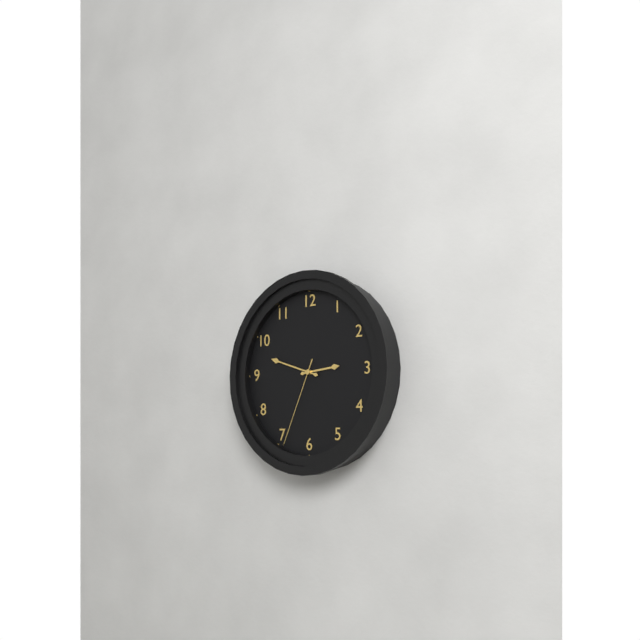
2h48m34s
